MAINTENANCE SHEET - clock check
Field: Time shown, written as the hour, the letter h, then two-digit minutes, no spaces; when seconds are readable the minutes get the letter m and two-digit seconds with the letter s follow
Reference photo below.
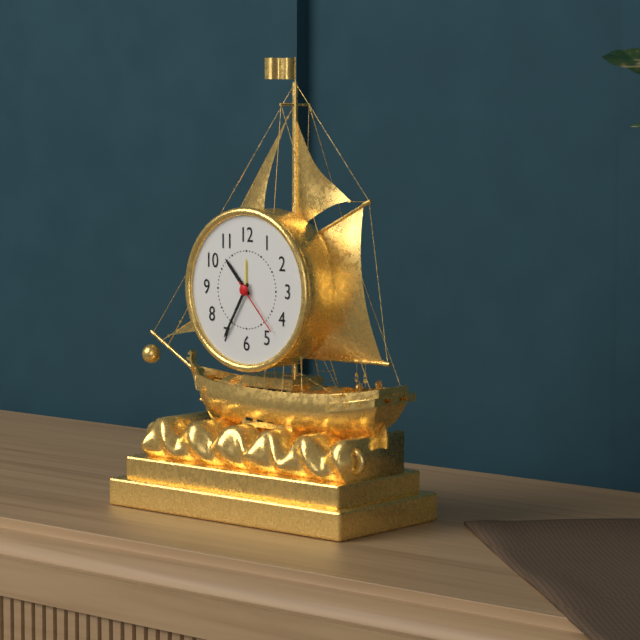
10h35m23s
